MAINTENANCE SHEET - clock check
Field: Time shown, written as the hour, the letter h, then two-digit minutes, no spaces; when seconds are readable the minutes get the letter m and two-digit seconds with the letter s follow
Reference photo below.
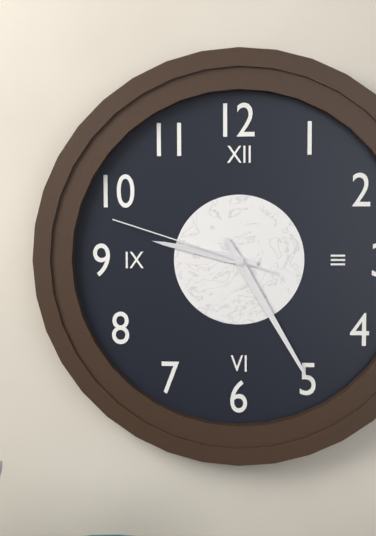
9h25m48s
